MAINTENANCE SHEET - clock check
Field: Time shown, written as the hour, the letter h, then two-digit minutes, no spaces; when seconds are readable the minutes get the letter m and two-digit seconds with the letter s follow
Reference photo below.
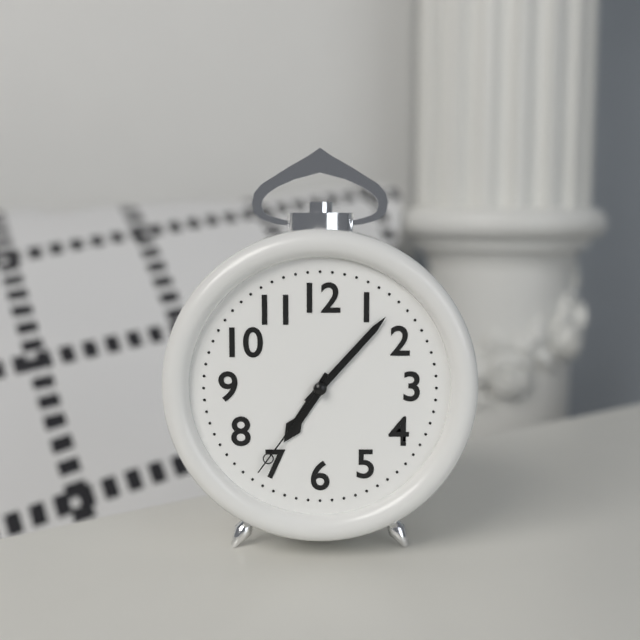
7h07m36s
